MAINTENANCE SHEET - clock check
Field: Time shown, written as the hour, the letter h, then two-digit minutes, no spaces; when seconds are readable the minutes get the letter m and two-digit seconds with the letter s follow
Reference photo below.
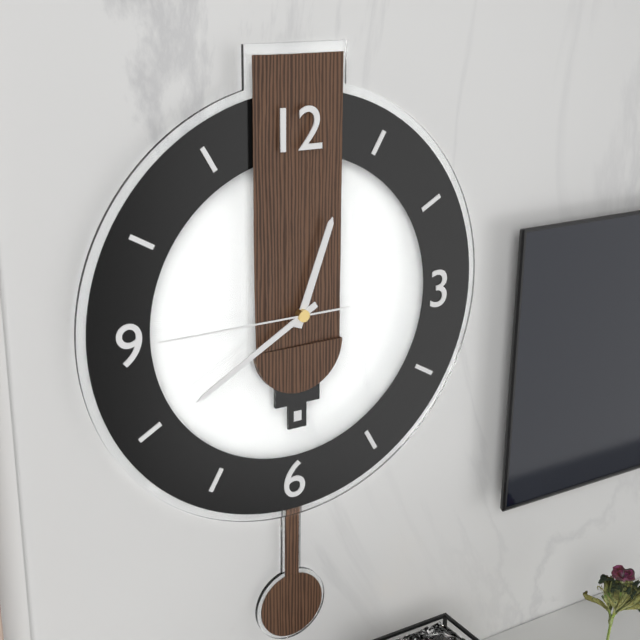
12h40m45s
